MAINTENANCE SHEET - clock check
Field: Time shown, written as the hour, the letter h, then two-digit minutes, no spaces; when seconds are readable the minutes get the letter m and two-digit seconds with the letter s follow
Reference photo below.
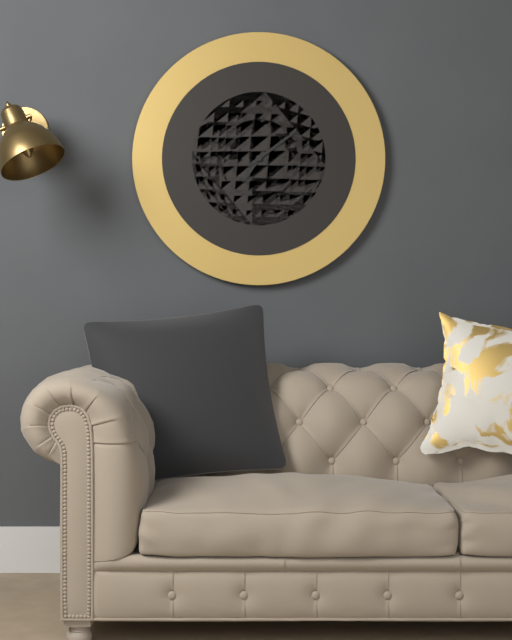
7h09
